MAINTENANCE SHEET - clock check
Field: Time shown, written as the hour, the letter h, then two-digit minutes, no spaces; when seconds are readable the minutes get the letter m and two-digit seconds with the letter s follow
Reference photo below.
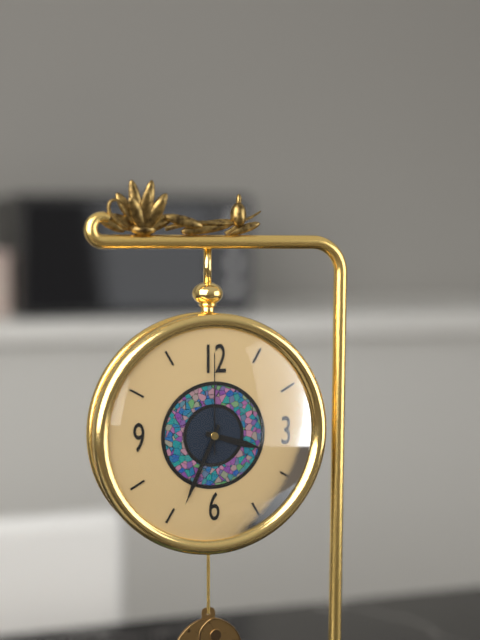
3h34m00s
